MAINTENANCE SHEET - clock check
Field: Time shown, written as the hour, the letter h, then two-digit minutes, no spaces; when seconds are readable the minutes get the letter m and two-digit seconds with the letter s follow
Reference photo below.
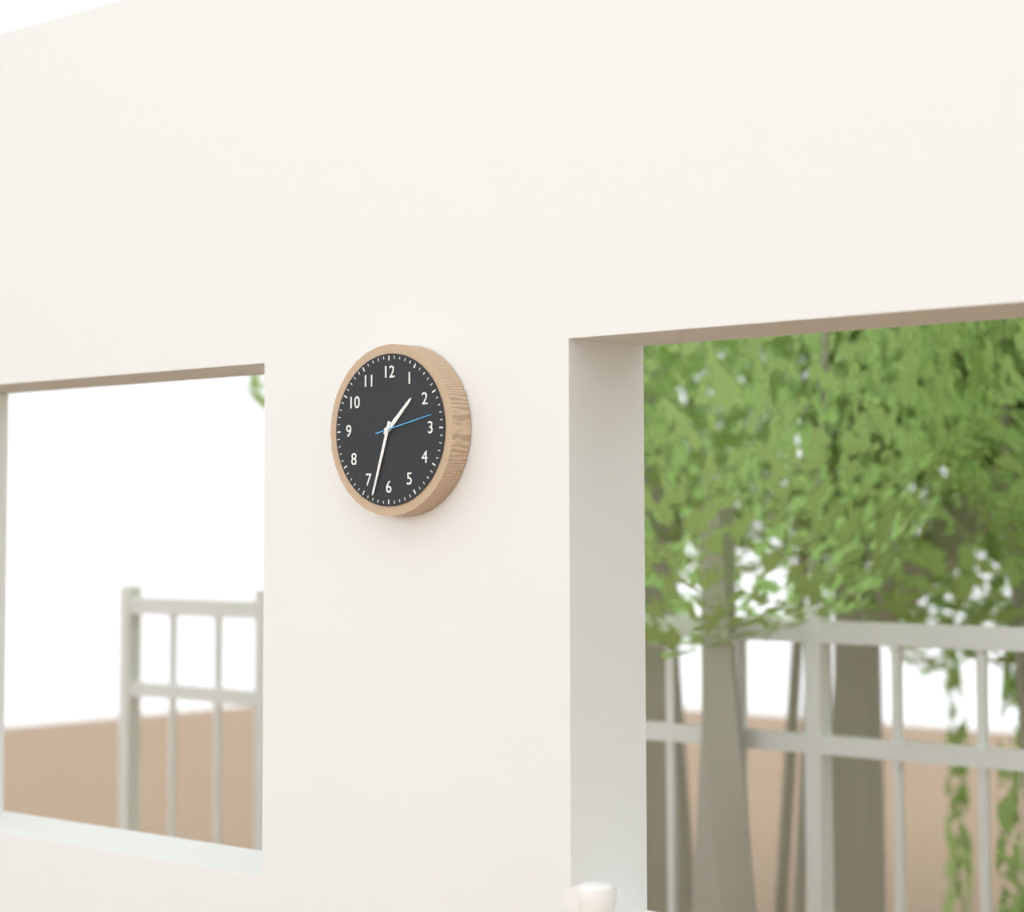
1h33m13s
